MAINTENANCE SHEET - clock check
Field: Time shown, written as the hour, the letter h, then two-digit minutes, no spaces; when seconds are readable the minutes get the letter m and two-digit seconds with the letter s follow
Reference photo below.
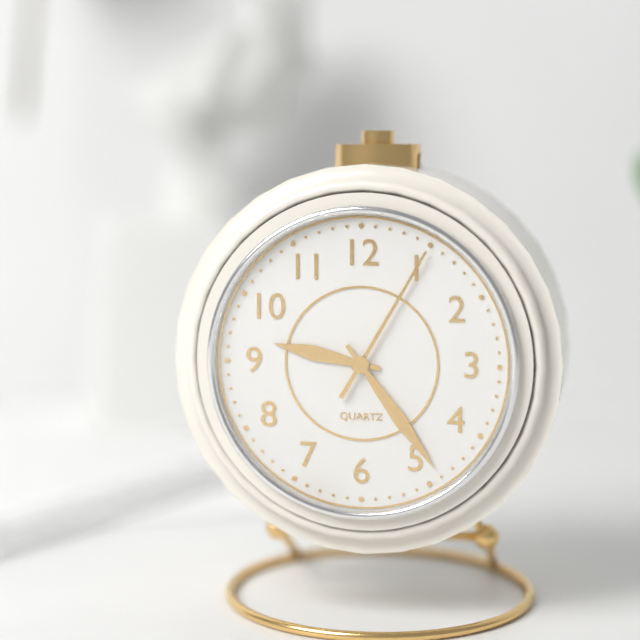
9h24m05s
